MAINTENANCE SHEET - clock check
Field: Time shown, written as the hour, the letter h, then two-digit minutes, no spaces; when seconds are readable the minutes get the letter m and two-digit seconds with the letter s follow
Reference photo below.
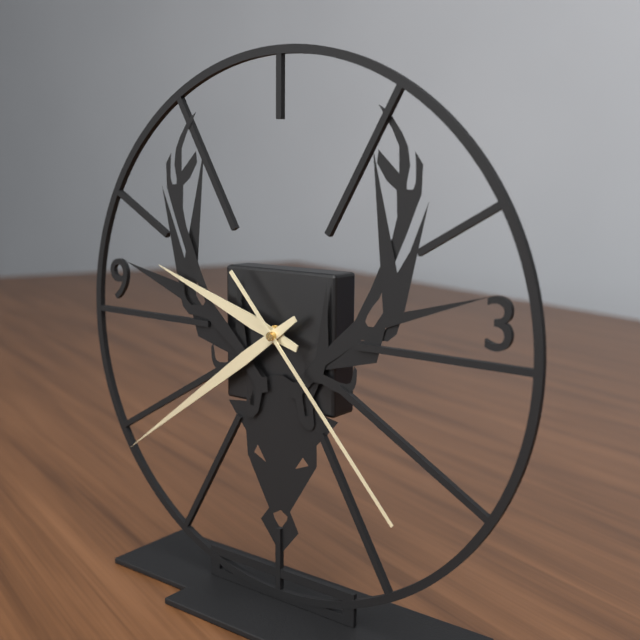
9h39m23s
